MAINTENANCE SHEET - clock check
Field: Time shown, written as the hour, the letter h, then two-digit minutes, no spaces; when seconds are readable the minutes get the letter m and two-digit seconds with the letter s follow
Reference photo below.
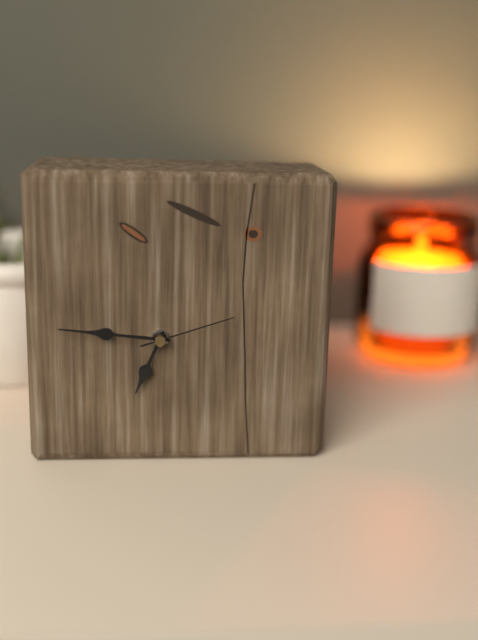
6h46m12s
